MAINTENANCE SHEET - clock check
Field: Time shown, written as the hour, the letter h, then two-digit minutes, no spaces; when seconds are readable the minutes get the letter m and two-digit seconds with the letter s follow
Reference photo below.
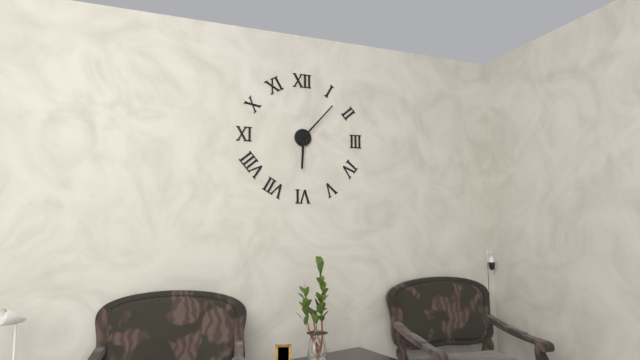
6h07
